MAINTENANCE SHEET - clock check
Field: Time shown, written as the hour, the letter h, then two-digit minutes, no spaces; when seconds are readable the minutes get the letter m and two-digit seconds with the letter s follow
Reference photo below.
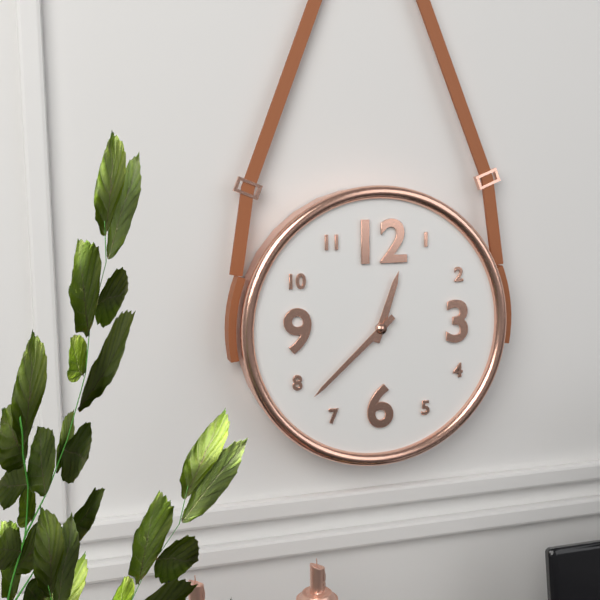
12h38
